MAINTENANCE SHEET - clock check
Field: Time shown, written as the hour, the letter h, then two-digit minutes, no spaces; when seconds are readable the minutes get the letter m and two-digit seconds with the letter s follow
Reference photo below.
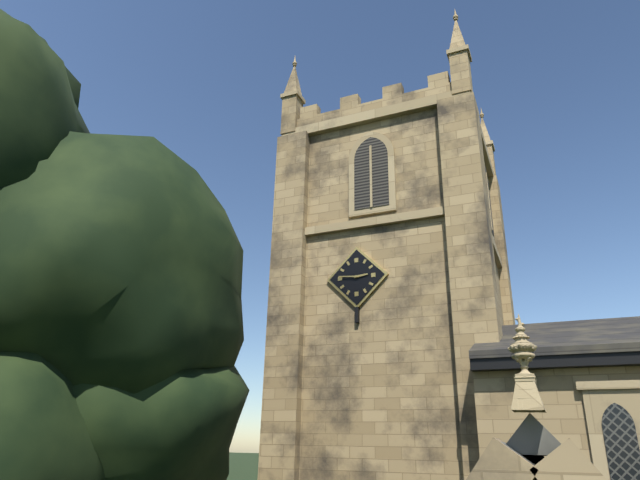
2h46
